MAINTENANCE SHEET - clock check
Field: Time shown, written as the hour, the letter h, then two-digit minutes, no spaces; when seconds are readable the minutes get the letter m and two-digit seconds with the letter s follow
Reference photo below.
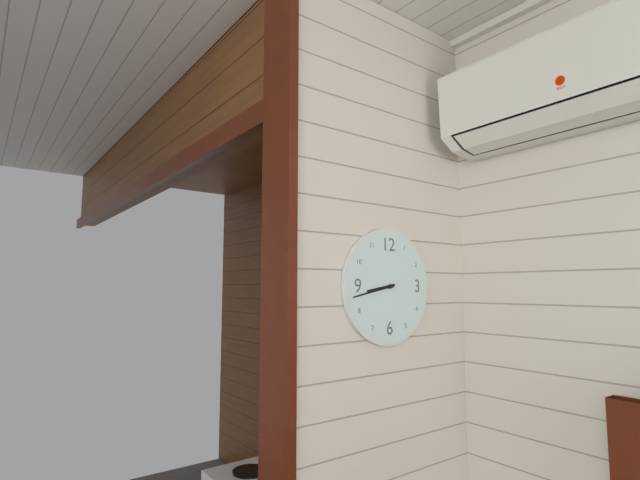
8h43
